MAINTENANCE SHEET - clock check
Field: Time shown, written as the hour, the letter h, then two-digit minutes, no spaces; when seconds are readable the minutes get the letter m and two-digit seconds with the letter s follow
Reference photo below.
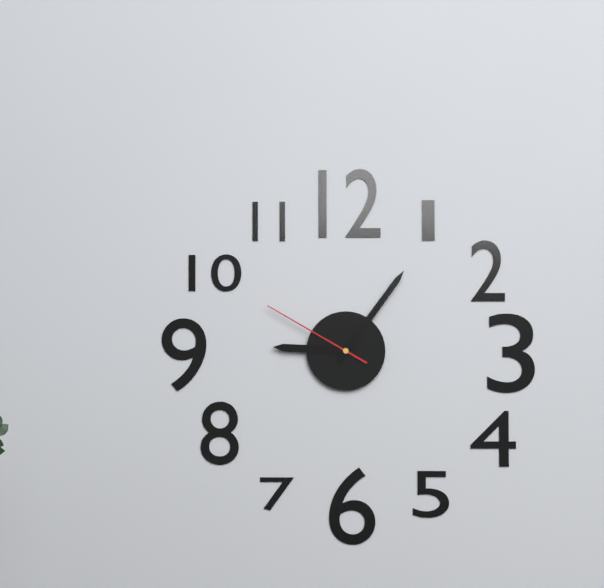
9h06m50s
